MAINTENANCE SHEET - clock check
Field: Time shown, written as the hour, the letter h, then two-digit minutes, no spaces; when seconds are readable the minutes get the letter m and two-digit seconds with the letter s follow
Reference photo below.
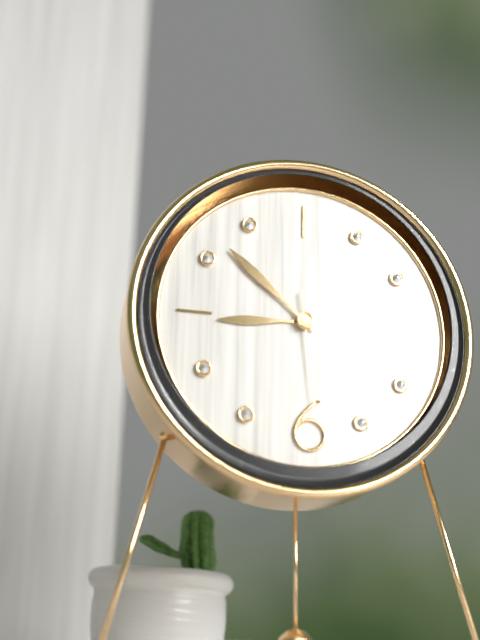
8h52m29s
